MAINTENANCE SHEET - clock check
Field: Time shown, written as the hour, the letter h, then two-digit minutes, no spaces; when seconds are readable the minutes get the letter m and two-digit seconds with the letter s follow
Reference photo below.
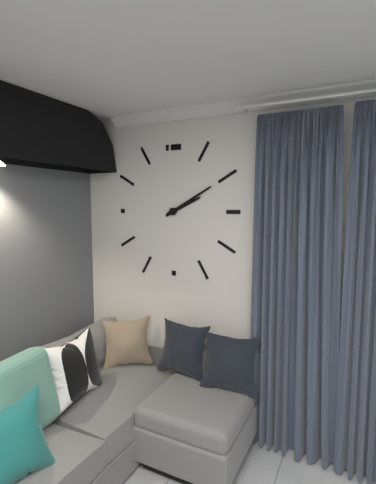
2h10
